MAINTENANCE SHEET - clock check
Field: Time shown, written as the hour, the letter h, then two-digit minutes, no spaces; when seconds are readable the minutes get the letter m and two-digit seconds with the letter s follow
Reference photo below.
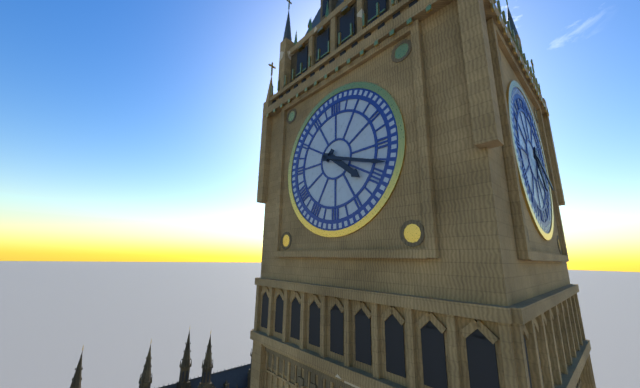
4h18
